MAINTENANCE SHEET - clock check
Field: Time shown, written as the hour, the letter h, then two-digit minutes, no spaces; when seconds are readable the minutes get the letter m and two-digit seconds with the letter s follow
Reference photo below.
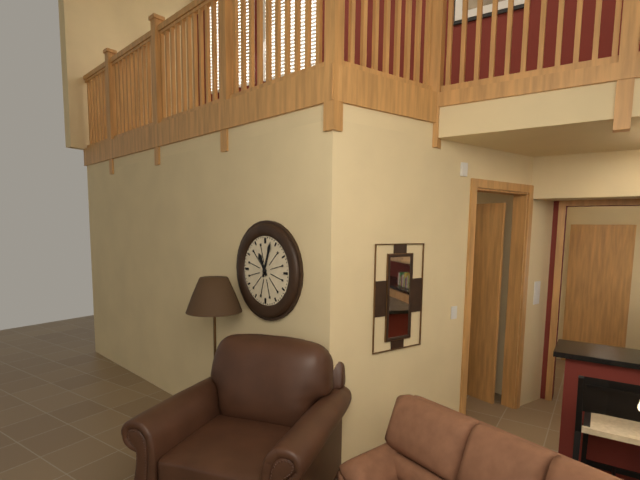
11h03
